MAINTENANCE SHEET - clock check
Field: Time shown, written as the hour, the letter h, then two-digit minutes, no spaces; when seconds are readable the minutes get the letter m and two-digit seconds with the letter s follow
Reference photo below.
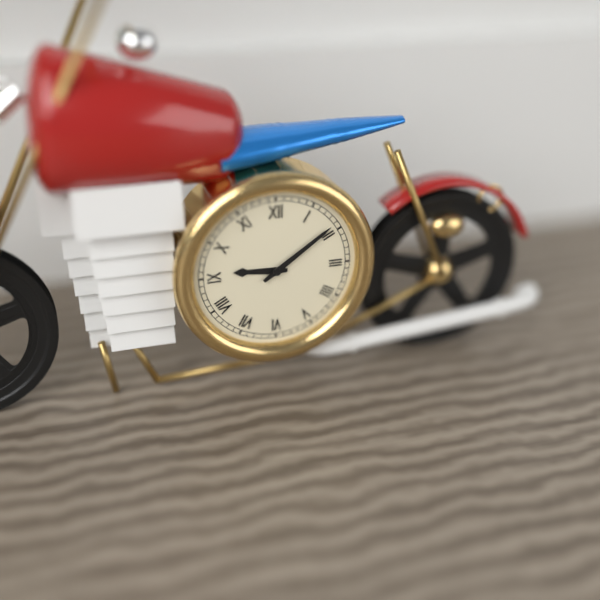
9h09
